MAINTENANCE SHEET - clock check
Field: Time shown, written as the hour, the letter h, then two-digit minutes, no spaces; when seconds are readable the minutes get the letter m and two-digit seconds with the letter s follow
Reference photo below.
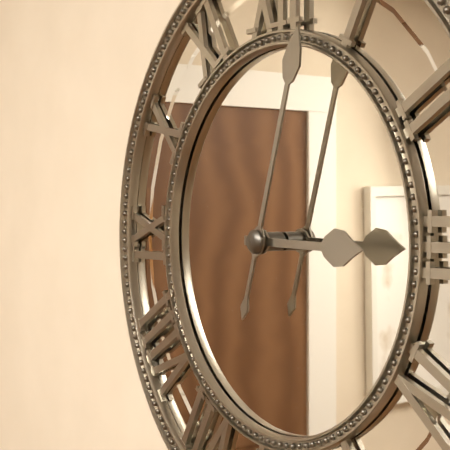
3h03
